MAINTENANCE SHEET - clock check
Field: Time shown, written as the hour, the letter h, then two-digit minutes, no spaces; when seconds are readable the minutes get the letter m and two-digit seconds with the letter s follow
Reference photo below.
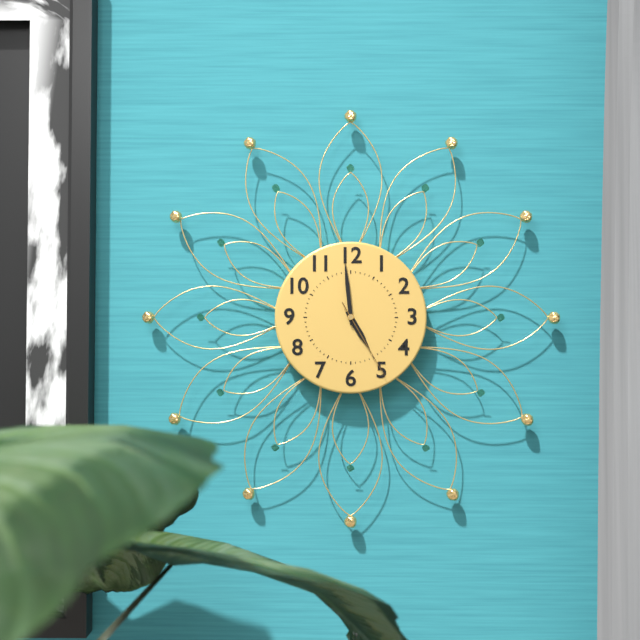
4h59m25s
